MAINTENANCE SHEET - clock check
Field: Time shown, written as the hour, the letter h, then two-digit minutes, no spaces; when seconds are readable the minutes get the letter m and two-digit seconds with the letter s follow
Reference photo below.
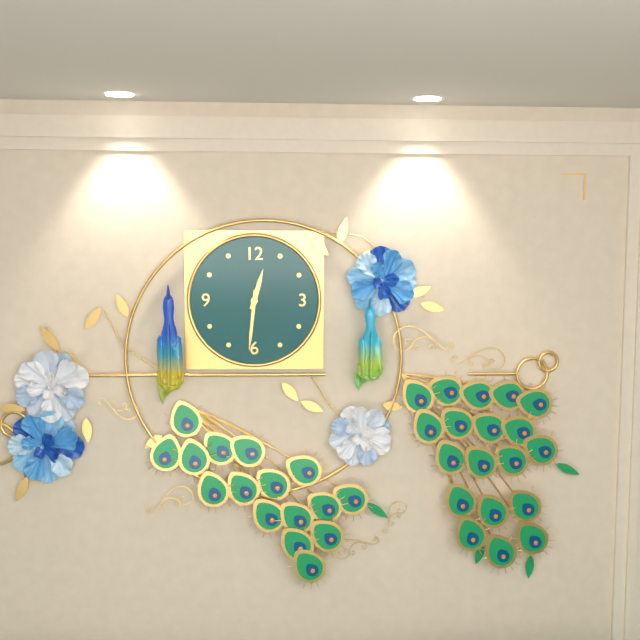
12h31
